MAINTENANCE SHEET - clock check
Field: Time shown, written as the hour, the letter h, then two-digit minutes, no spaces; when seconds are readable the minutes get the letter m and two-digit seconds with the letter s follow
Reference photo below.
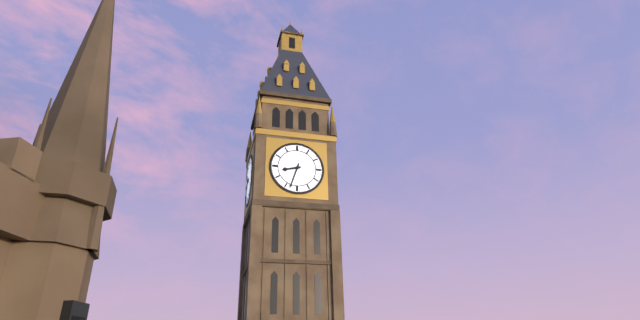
8h33
